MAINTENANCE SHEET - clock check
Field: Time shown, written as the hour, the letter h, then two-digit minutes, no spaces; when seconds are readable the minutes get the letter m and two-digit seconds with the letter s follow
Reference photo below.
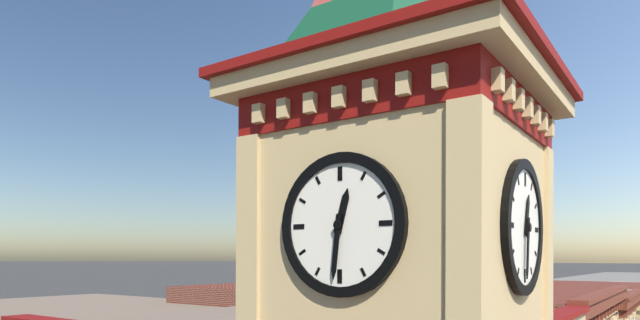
12h31
